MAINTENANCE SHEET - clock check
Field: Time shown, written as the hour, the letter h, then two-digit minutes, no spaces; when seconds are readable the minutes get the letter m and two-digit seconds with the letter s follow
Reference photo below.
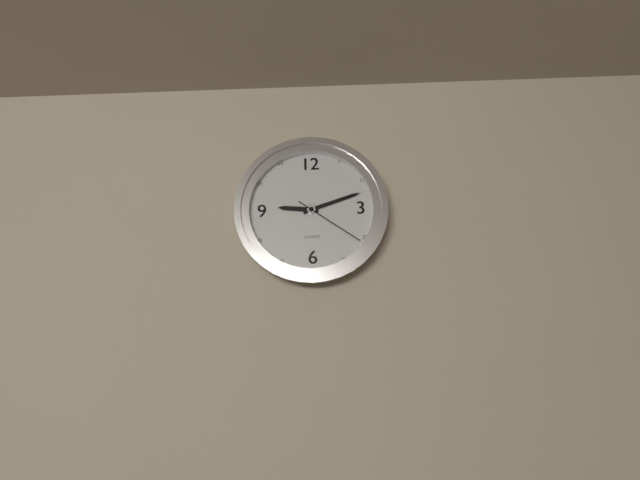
9h12m21s
